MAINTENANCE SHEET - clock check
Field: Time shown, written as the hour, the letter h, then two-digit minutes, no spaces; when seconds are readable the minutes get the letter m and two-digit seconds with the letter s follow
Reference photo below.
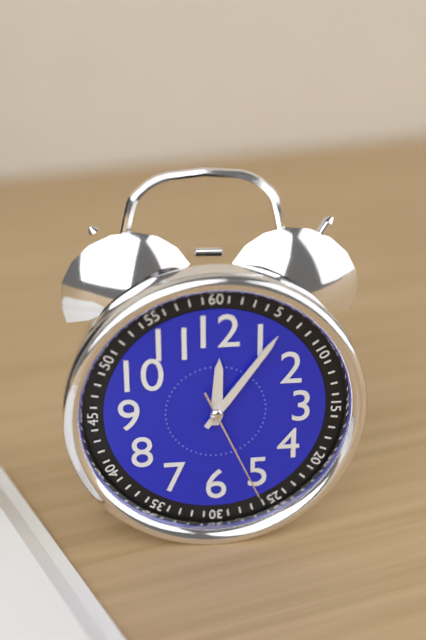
12h06m26s
